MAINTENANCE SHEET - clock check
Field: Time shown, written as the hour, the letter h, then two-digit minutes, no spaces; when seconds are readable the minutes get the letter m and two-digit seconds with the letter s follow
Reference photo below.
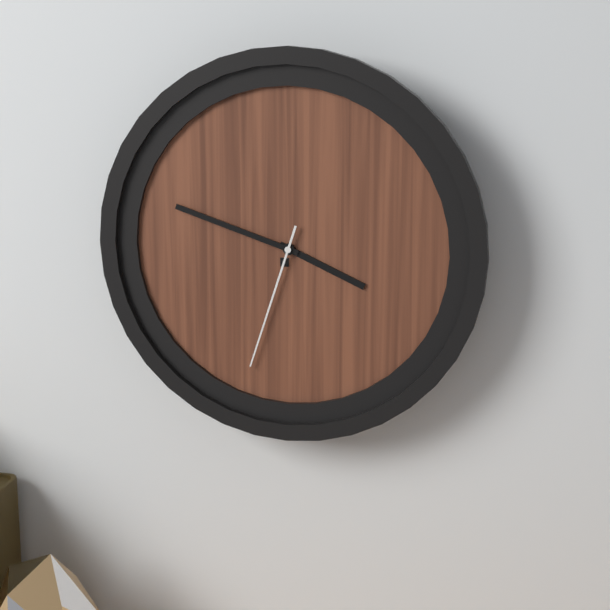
3h48m33s
